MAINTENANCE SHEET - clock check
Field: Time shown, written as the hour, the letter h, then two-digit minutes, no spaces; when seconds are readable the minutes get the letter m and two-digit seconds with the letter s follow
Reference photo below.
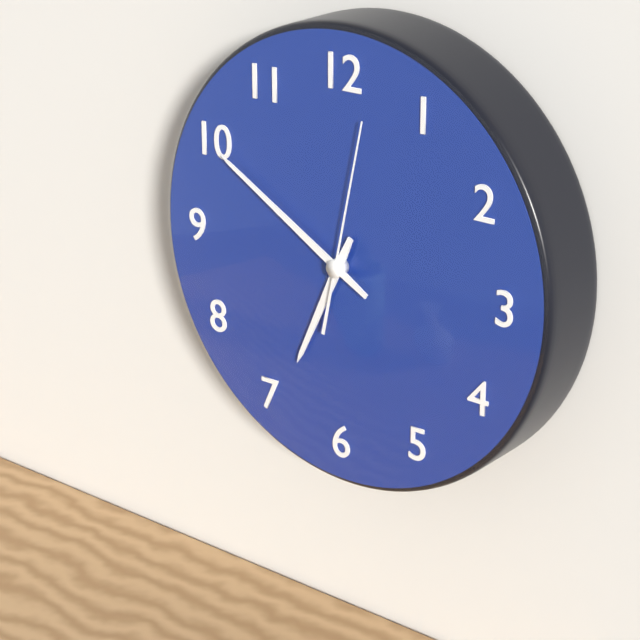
6h50m02s
